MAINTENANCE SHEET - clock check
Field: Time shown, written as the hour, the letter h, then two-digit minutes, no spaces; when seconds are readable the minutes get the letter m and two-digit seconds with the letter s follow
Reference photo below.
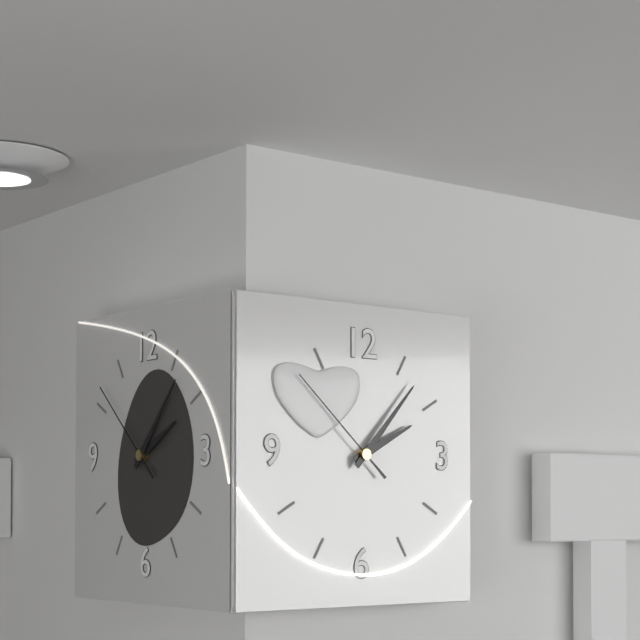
2h07m52s
